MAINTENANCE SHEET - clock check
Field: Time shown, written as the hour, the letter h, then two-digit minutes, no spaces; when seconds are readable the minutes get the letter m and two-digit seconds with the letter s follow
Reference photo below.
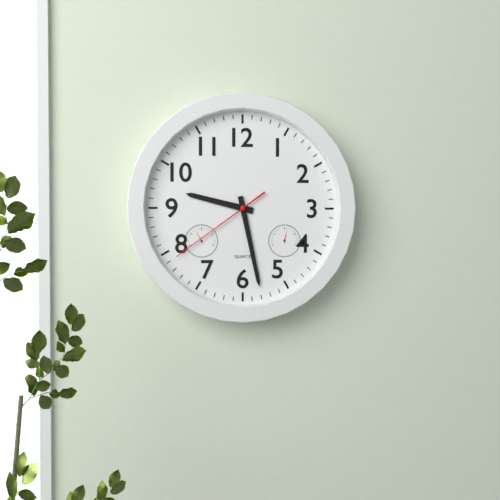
9h28m39s
